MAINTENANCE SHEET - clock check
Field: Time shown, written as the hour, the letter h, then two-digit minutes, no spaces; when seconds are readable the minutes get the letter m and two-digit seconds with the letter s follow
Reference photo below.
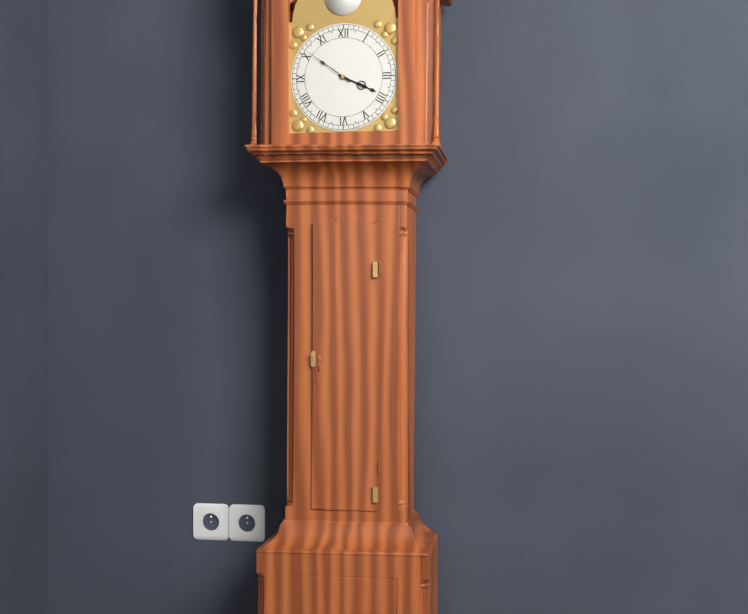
3h51
